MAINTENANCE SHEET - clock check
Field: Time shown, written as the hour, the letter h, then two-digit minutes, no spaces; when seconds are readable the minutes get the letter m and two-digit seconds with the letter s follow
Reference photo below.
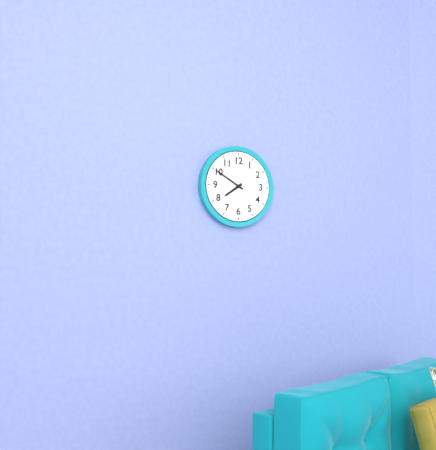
7h50
